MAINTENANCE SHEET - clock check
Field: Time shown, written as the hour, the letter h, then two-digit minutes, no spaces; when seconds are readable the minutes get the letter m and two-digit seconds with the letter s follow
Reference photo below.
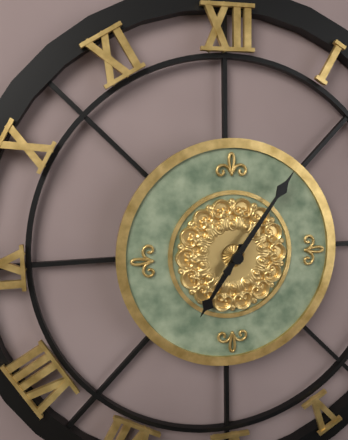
7h06
